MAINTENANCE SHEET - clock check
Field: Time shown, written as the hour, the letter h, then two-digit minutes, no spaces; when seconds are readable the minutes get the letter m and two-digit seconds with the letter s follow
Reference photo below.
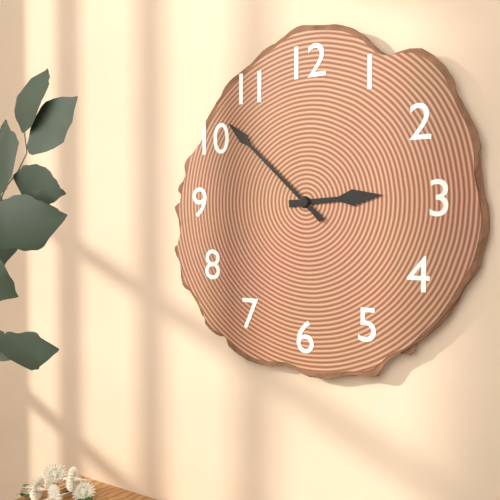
2h52
